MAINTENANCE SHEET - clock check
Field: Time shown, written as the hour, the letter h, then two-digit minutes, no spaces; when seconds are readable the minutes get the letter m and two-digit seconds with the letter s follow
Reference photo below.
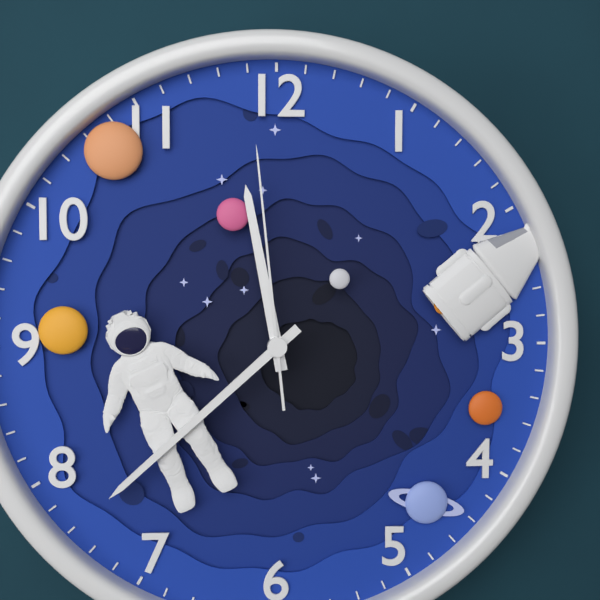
11h38m59s
